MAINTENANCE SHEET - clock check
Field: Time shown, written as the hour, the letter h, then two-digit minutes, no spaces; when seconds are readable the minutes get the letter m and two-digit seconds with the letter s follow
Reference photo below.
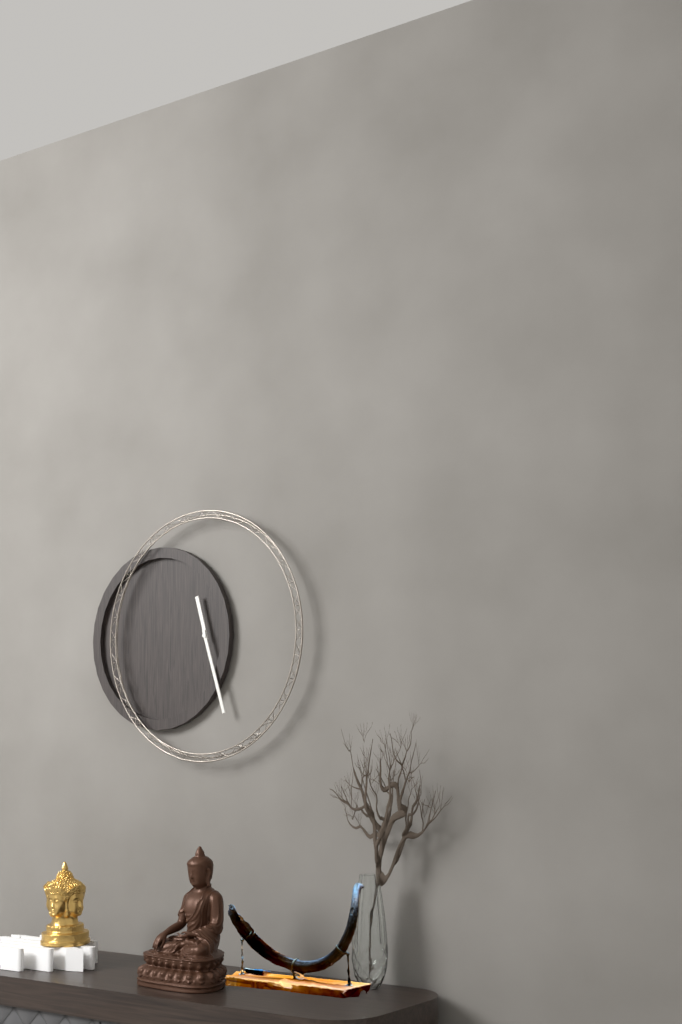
11h27
